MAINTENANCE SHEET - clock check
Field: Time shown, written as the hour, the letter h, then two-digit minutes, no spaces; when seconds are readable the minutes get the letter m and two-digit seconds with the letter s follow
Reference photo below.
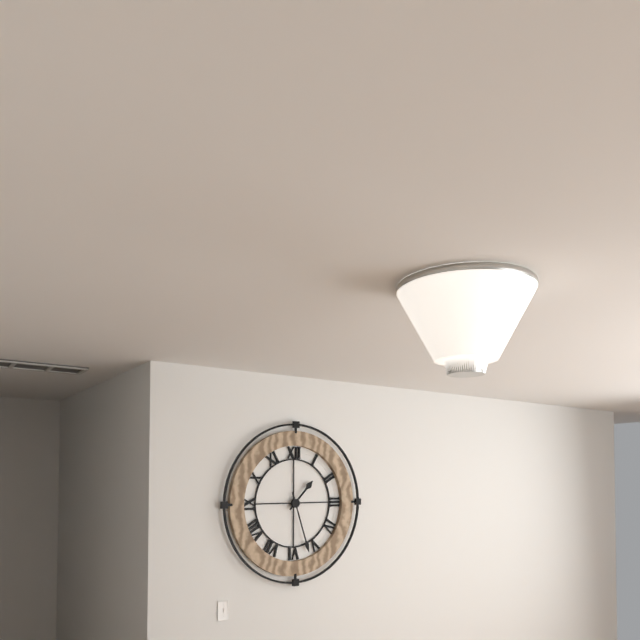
1h27
